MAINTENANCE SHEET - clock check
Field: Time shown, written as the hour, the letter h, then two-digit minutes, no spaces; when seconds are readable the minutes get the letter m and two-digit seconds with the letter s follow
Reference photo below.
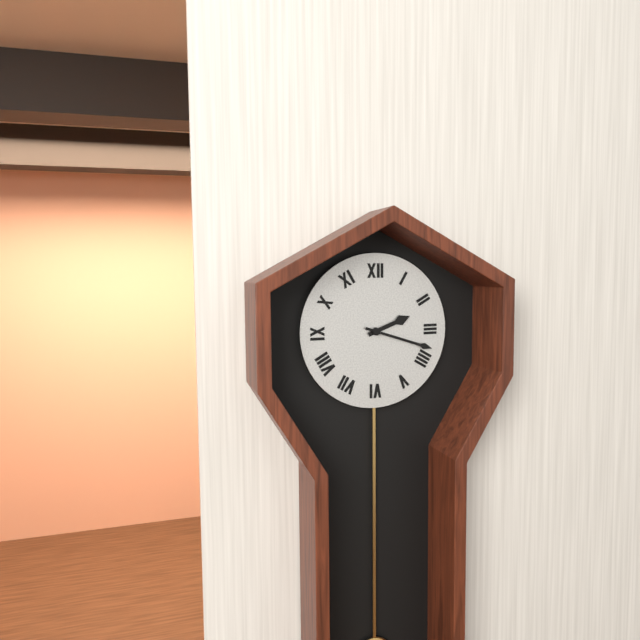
2h18
